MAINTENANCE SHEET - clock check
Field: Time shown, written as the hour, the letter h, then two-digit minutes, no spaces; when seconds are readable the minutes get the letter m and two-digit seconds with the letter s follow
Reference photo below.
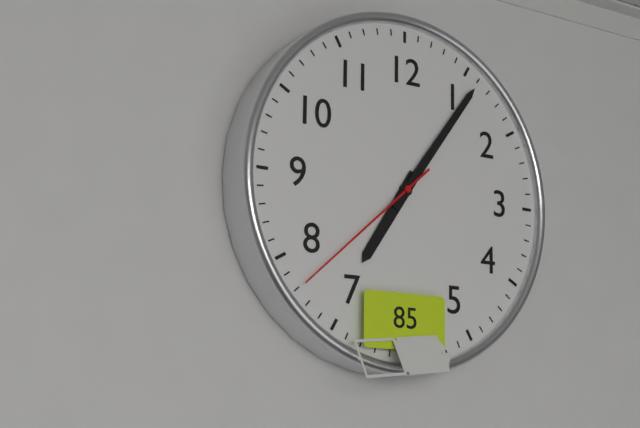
7h06m38s
